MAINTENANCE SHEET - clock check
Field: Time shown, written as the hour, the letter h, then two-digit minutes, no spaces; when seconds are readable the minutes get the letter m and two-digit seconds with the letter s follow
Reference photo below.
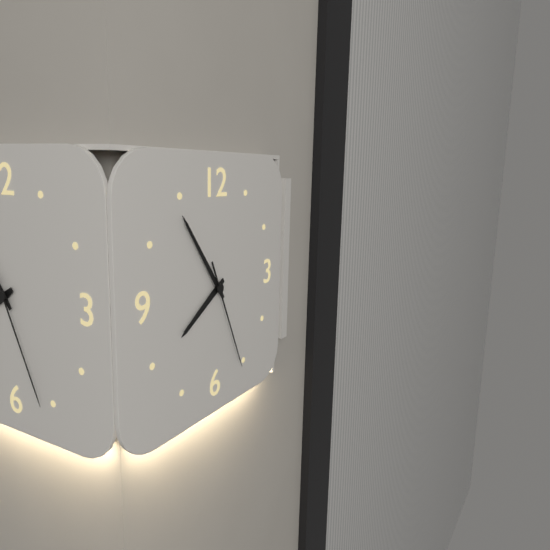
7h54m26s
